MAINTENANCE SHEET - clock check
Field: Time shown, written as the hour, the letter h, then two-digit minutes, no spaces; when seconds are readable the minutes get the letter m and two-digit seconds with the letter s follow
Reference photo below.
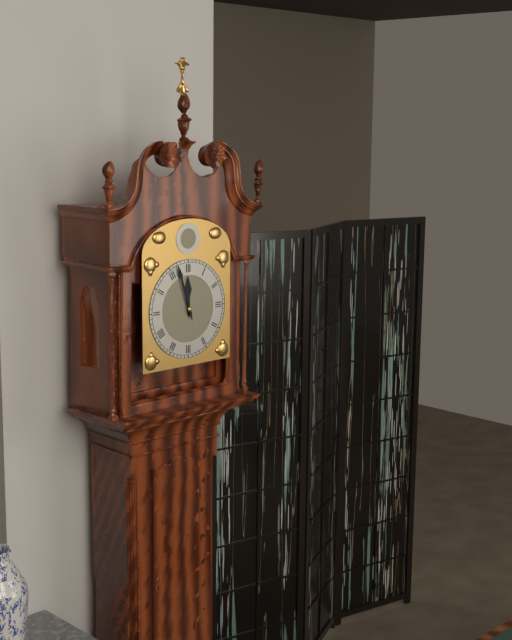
11h57
